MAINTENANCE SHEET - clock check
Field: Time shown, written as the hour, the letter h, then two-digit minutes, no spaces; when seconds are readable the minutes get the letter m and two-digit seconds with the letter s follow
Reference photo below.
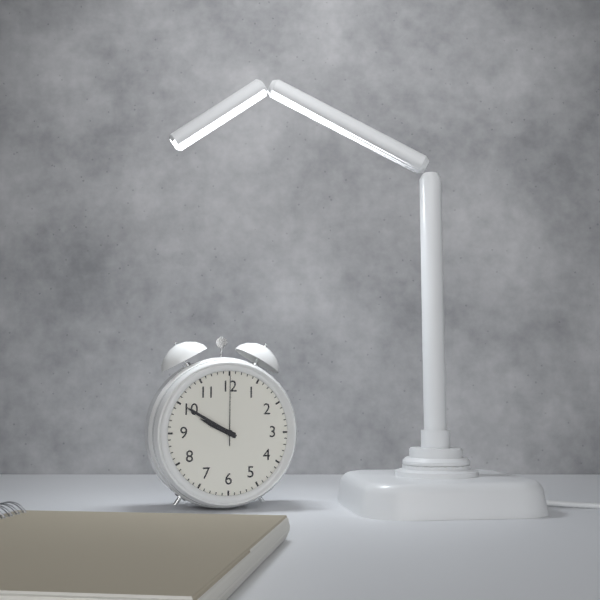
9h50m00s
